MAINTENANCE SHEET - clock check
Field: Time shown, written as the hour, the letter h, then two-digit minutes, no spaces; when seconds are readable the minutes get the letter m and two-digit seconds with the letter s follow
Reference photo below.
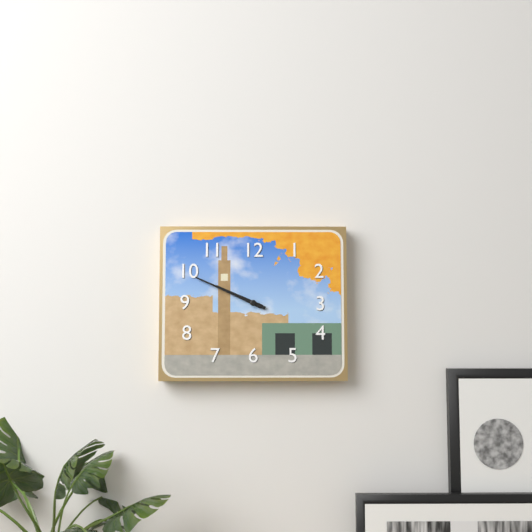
9h49
